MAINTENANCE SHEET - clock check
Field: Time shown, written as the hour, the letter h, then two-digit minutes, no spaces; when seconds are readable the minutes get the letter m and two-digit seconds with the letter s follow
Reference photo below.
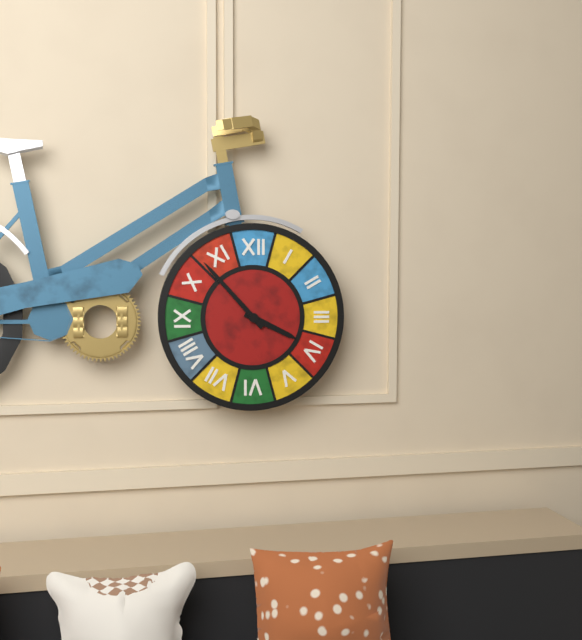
3h53
